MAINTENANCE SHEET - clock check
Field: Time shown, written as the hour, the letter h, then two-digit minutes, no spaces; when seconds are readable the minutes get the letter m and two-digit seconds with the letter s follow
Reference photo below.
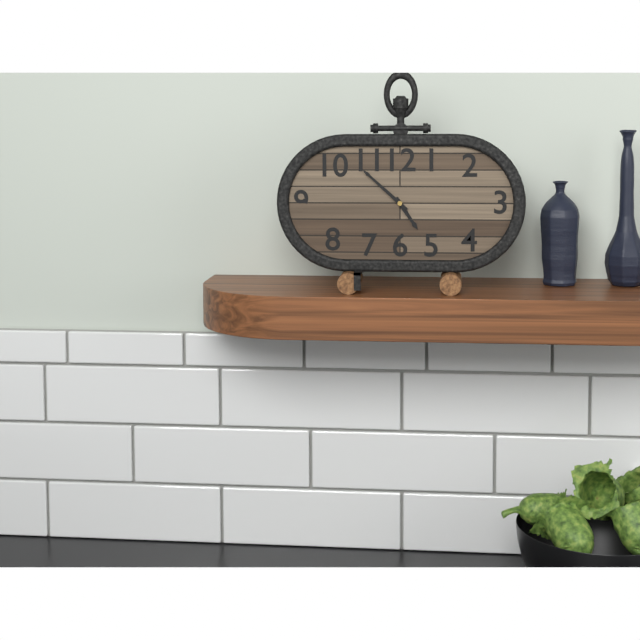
4h52
